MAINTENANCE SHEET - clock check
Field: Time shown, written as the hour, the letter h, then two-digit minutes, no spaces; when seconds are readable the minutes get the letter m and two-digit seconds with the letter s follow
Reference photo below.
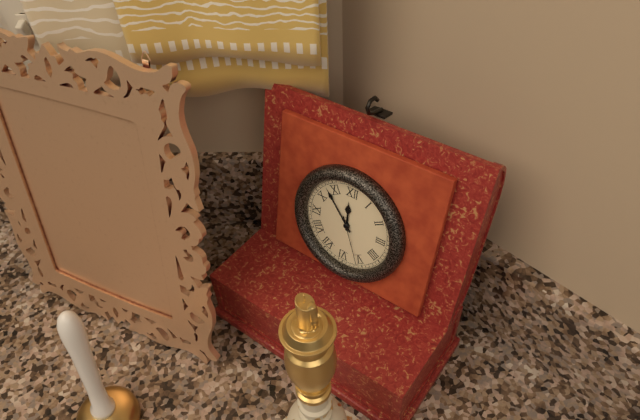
11h53m26s
